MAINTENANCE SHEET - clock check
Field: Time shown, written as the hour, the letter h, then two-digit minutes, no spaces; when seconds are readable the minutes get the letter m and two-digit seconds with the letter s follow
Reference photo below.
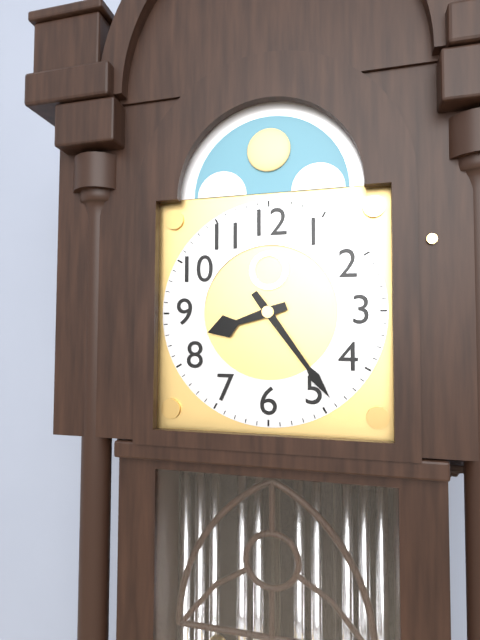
8h24
